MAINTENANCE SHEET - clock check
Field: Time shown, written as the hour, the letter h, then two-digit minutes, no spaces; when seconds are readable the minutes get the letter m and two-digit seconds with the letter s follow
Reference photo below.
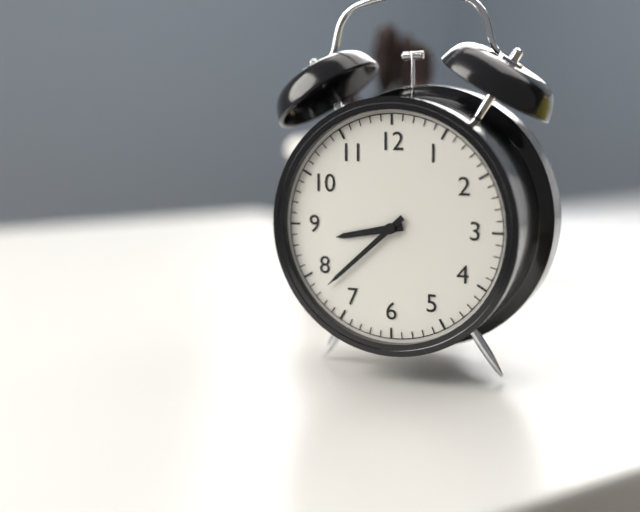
8h38
